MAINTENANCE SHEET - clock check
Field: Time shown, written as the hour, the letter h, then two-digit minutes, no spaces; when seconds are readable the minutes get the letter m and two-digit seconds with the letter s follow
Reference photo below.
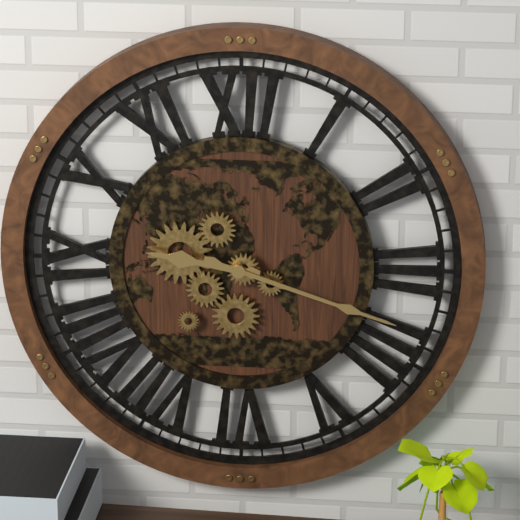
9h18
